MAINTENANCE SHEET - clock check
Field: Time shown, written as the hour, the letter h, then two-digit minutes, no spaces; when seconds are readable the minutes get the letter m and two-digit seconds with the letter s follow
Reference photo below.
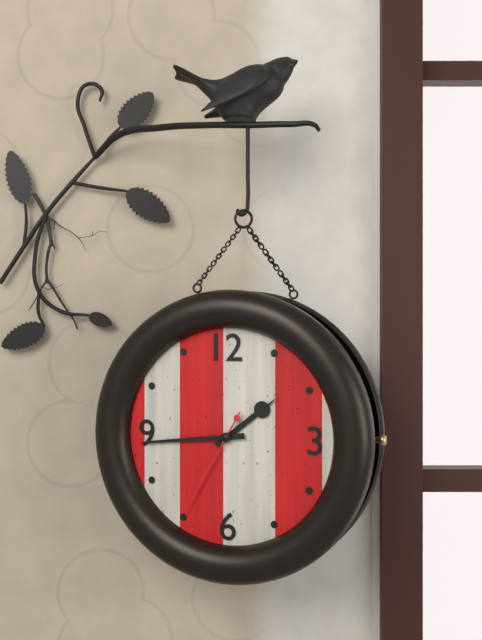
1h44m35s
